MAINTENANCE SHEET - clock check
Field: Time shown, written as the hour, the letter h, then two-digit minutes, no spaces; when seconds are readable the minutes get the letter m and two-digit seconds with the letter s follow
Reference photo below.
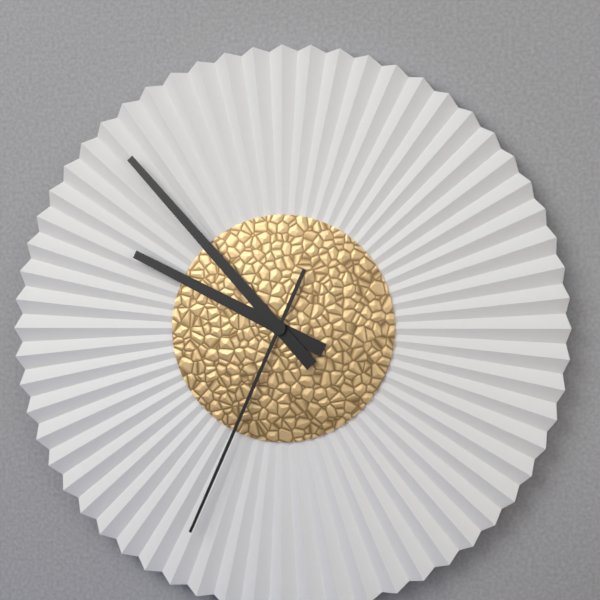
9h53m34s
